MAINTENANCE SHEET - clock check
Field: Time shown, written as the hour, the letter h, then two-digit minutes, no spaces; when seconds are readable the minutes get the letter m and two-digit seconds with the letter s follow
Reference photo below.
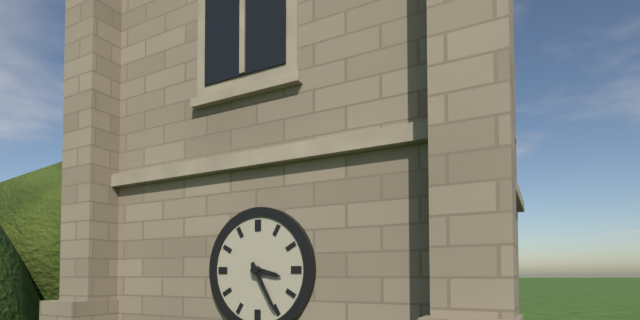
3h25
